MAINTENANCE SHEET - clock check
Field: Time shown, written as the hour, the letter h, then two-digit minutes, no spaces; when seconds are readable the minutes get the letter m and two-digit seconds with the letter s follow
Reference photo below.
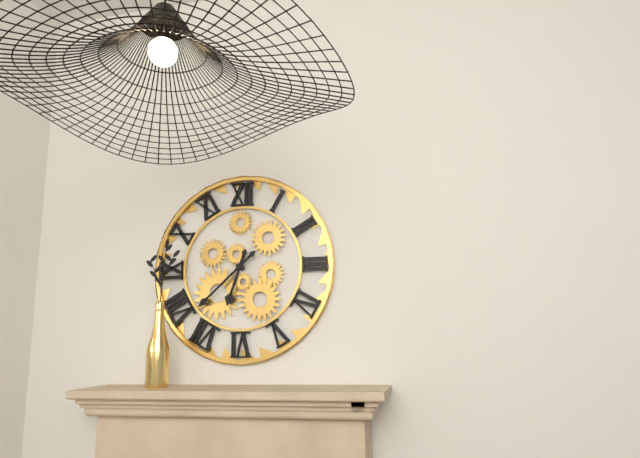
6h38
